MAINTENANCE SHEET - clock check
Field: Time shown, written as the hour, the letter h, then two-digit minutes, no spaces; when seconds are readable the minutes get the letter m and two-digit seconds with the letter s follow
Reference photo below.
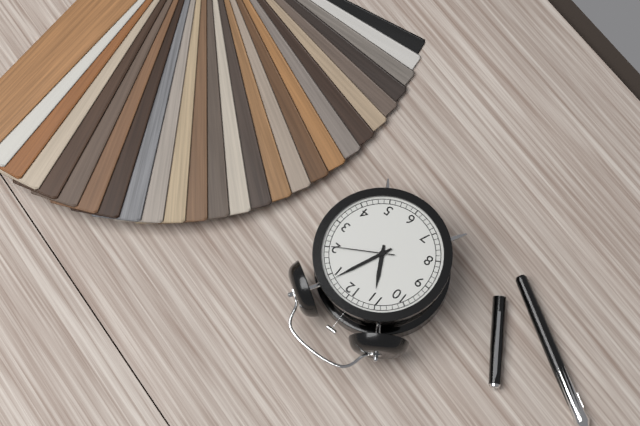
11h04m10s
